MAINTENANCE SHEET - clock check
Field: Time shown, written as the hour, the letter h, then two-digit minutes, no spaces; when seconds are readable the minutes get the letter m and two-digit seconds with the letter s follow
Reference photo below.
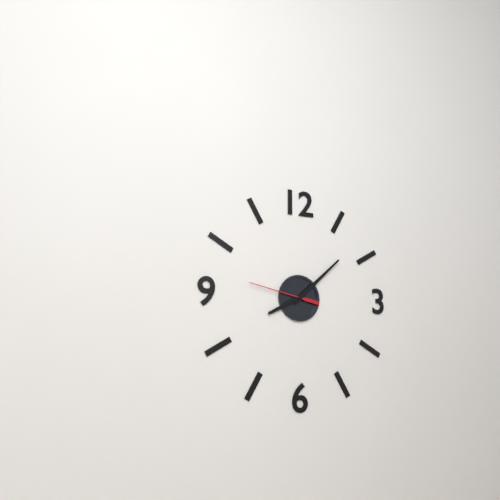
8h08m47s
